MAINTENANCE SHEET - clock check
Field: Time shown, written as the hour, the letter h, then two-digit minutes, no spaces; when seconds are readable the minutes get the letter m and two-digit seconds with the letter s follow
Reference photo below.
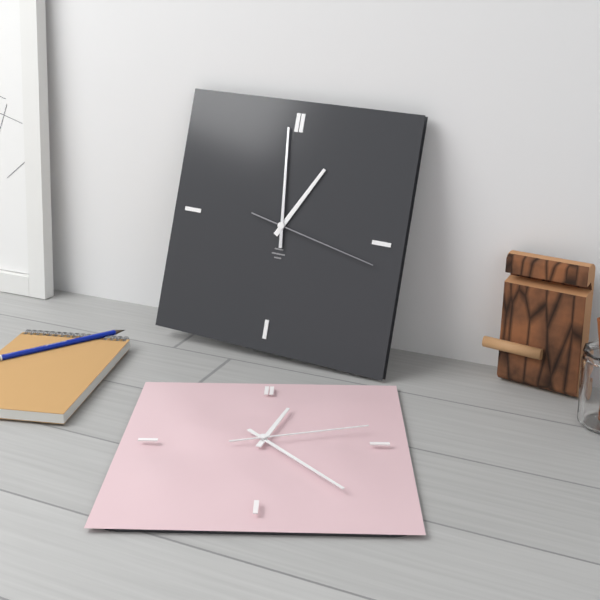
12h59m17s
